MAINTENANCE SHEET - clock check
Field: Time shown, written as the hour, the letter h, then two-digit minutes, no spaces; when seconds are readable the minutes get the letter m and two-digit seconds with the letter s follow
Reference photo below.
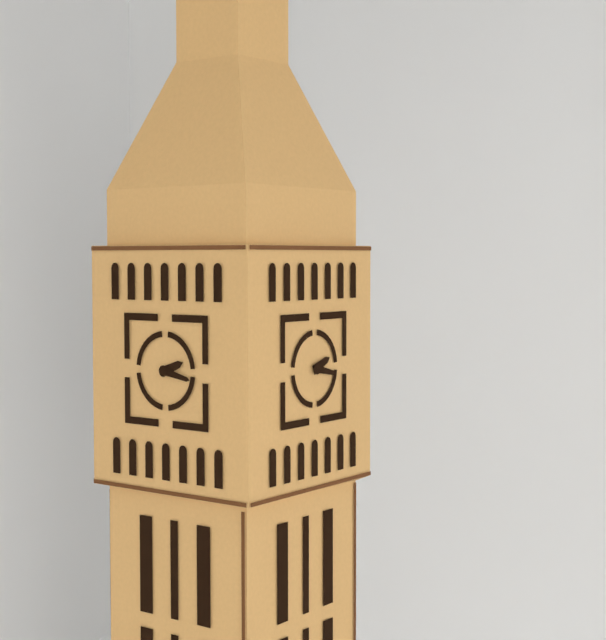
2h17
